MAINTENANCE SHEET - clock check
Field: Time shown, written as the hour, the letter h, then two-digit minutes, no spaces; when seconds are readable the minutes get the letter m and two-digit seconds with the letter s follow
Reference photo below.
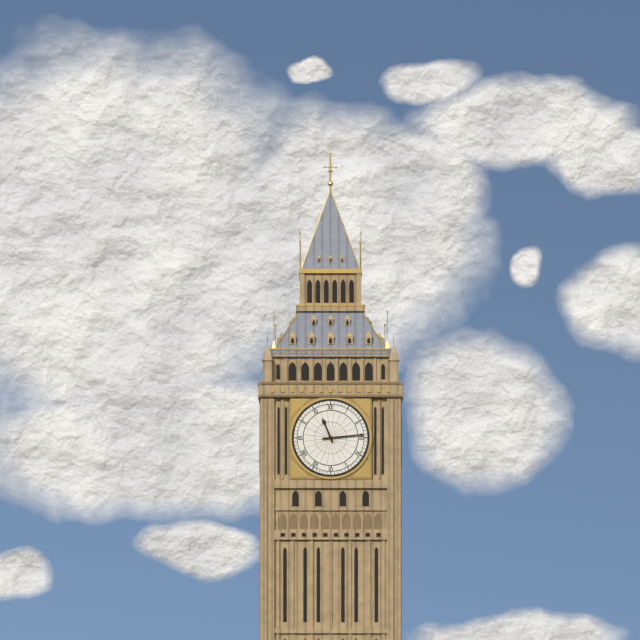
11h14
